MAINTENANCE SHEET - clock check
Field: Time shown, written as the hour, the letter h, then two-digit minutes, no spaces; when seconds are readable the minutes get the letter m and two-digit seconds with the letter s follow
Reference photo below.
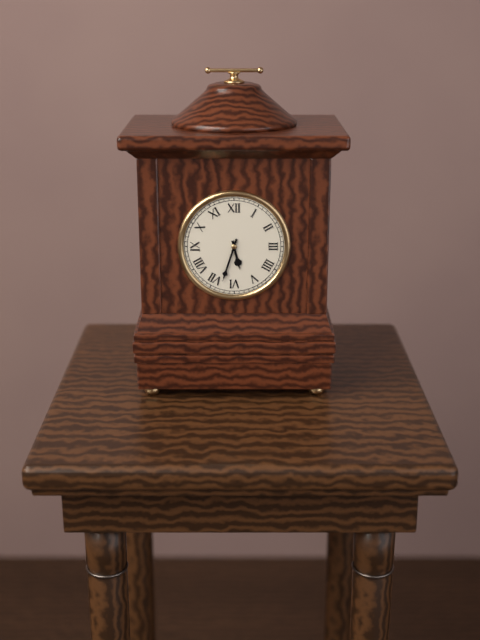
5h33
